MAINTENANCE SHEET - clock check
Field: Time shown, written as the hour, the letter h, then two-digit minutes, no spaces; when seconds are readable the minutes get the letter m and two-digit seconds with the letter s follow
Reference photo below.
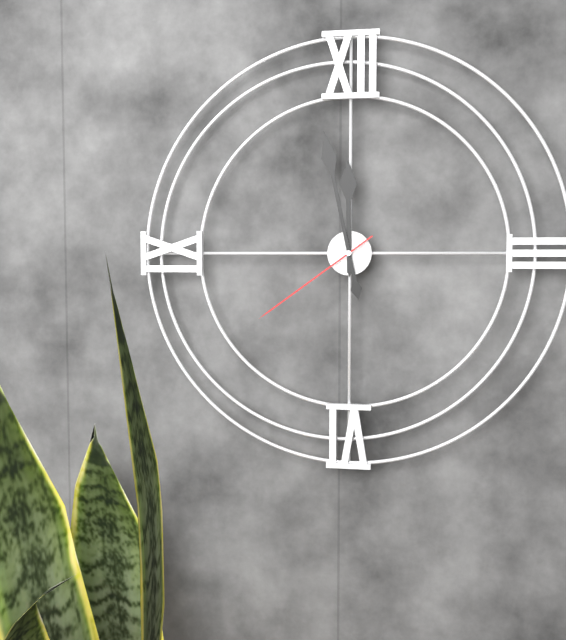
11h58m39s
